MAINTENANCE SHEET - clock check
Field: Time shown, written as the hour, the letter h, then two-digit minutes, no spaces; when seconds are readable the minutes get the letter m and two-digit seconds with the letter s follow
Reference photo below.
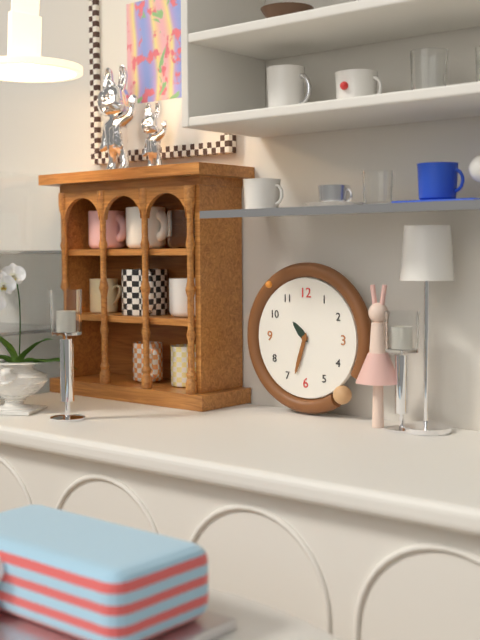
10h33
